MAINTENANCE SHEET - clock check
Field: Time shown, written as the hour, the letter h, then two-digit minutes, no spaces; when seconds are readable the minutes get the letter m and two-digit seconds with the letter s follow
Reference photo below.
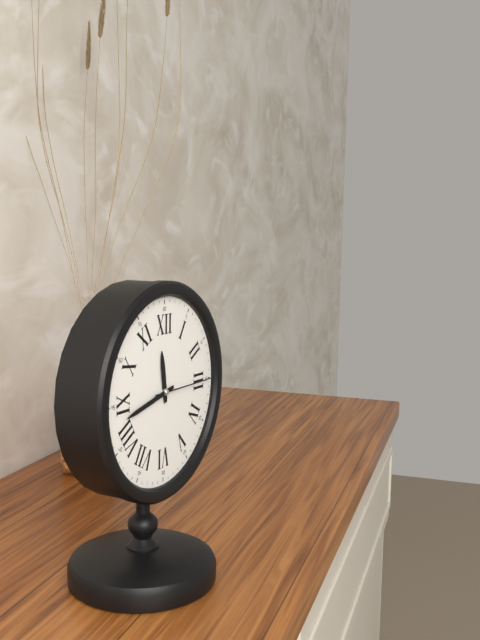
11h43m15s
